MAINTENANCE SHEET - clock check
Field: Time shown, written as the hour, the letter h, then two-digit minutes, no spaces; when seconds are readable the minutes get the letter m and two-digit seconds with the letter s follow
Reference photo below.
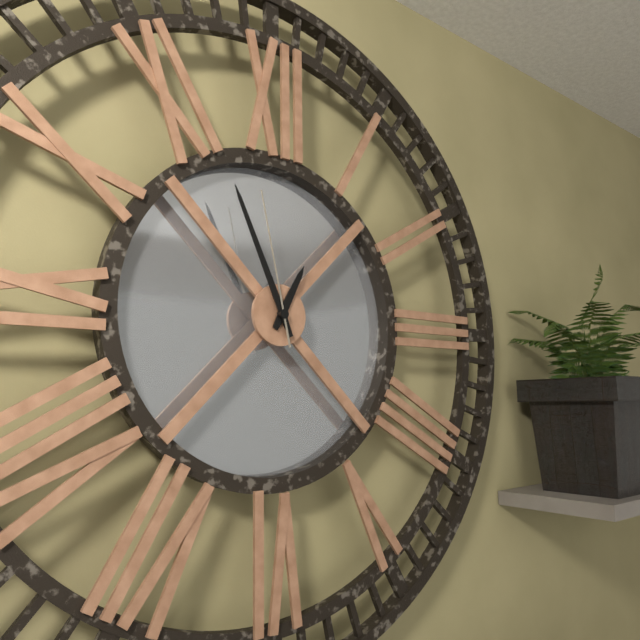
12h56m58s
